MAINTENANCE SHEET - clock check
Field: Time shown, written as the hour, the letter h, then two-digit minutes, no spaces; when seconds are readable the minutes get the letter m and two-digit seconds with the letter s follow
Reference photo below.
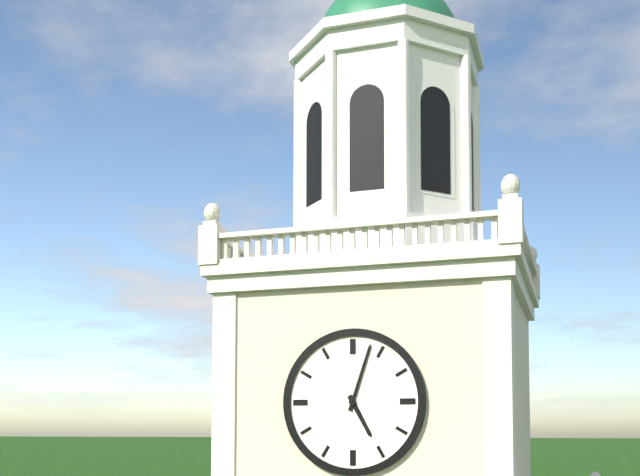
5h03
